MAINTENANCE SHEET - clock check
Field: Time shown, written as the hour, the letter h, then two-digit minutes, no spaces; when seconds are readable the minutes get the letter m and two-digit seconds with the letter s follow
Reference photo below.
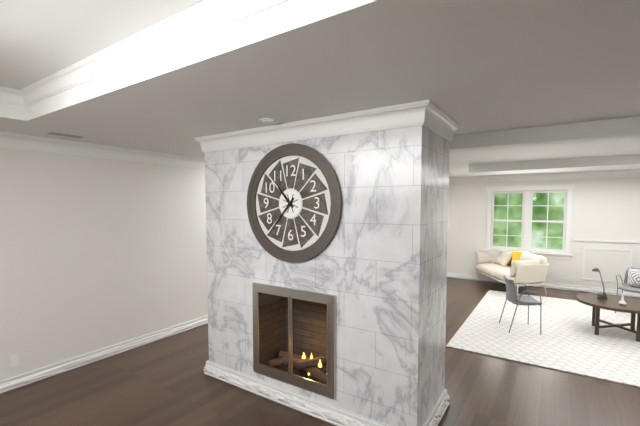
10h37
